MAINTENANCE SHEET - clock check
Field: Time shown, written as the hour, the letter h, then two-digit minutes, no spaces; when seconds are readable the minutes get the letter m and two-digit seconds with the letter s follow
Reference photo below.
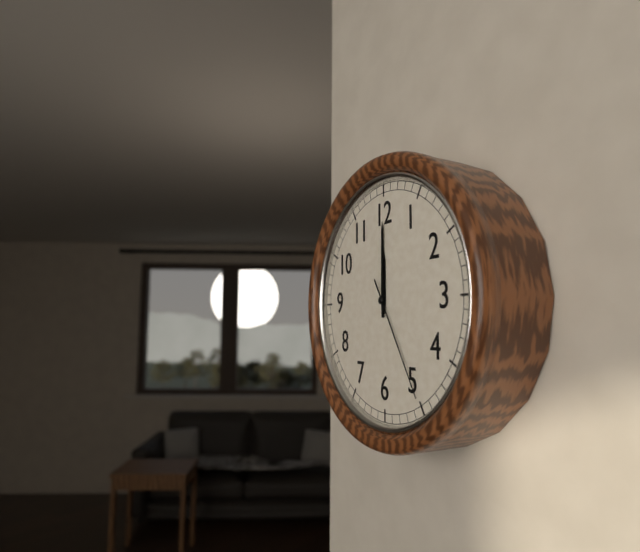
12h00m25s
